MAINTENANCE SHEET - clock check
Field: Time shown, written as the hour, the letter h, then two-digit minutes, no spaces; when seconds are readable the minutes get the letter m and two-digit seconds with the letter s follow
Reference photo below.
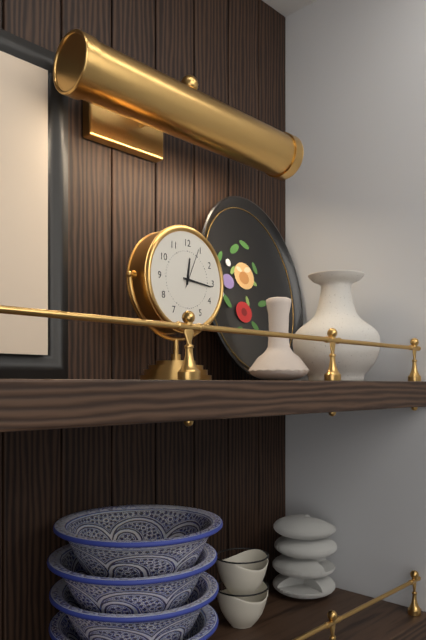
12h16
